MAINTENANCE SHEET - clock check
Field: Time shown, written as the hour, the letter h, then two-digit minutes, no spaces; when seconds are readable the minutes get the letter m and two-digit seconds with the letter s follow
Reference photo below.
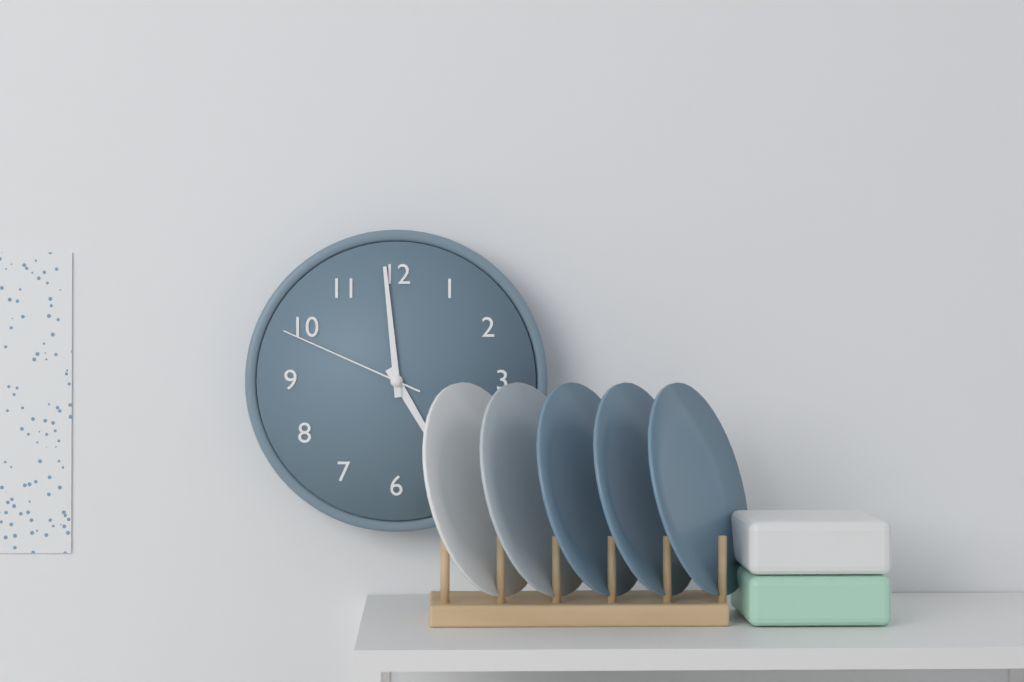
4h59m49s
